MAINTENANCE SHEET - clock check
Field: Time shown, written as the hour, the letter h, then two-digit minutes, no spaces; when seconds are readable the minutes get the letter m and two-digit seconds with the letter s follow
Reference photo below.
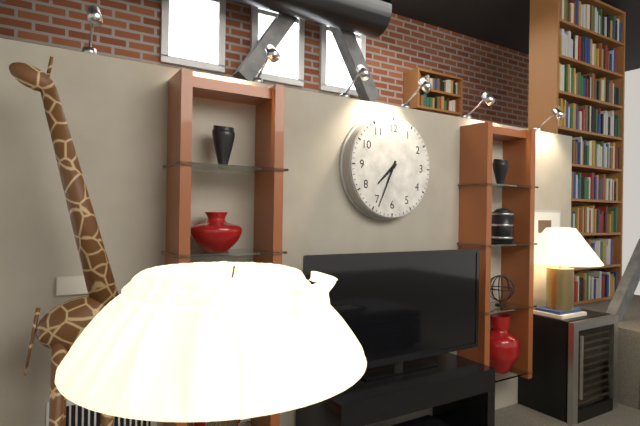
7h34
